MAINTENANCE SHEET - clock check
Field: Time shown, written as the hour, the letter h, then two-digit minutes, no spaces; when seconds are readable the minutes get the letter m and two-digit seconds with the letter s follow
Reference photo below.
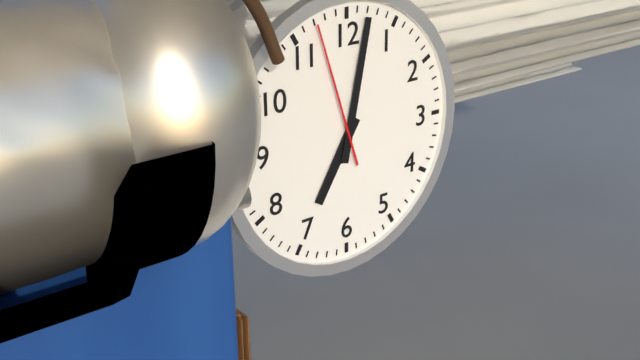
7h02m57s
